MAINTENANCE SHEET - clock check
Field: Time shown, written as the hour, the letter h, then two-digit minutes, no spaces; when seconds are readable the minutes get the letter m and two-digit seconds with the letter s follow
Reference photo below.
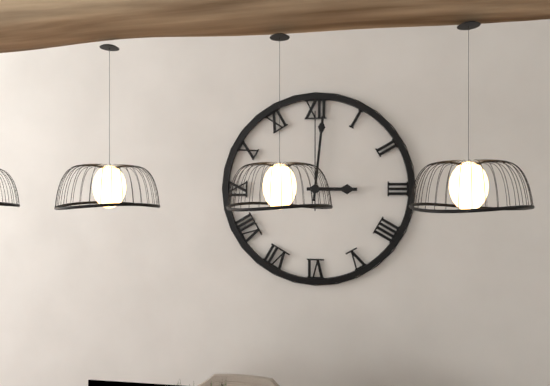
3h01m00s
